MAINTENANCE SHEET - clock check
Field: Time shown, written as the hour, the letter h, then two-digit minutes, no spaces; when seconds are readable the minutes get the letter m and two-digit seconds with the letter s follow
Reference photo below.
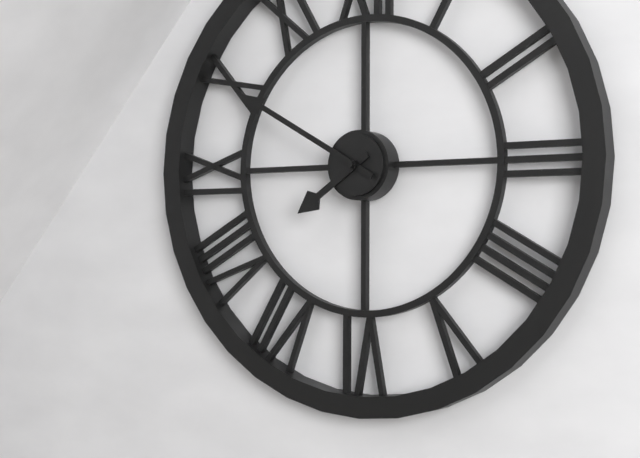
7h50
